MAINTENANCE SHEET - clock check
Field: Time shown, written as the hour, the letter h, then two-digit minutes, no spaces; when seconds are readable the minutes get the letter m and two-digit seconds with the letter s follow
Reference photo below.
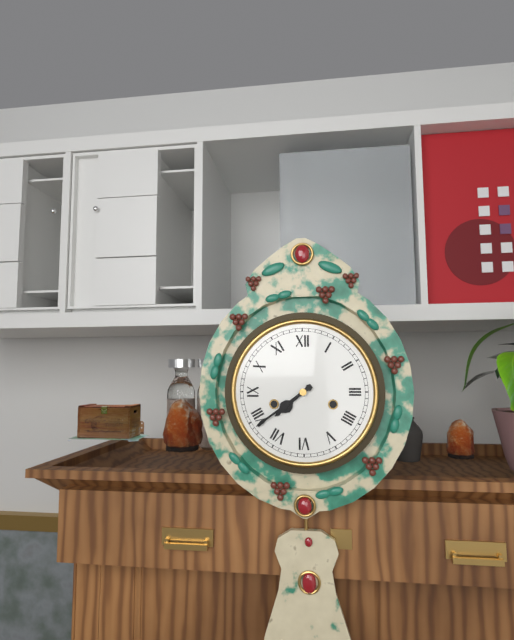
7h39
